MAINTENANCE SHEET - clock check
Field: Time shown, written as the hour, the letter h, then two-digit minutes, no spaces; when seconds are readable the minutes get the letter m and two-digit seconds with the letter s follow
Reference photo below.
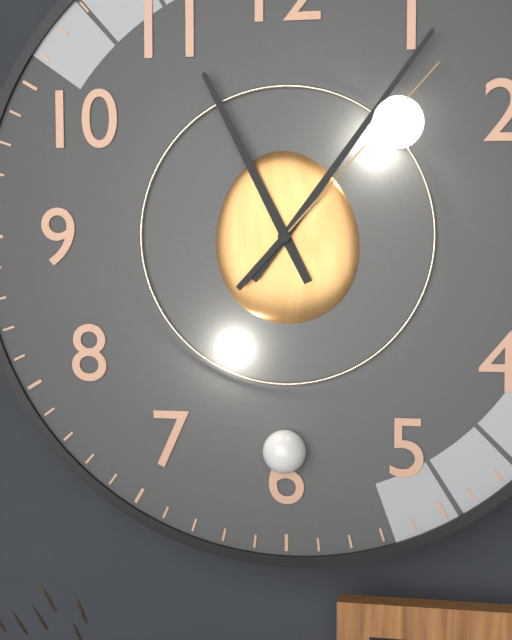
11h06m07s
